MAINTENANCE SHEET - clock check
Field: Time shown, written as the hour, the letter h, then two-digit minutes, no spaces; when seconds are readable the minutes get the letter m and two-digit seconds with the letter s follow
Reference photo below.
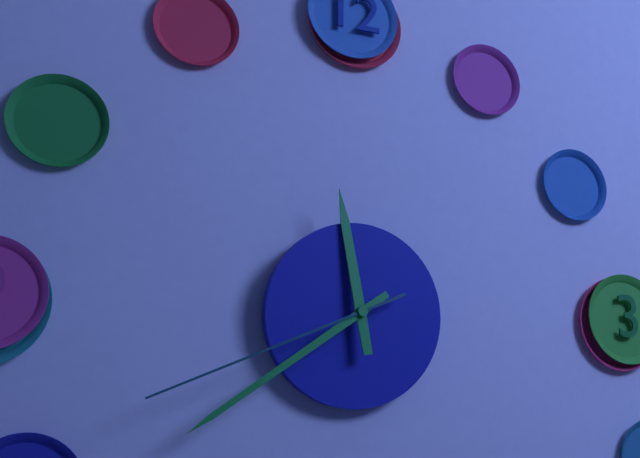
11h39m41s
